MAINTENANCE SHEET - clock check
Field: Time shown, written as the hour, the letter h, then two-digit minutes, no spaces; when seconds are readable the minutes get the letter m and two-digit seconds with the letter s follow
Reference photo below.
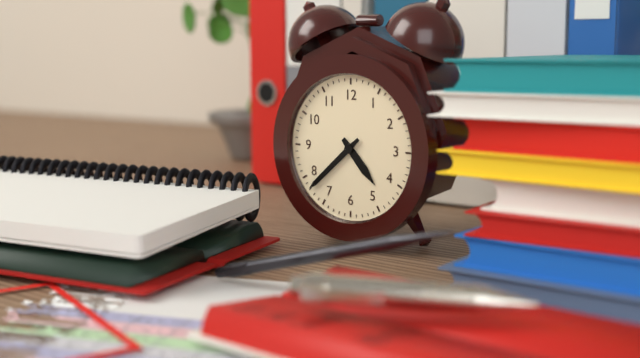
4h38
